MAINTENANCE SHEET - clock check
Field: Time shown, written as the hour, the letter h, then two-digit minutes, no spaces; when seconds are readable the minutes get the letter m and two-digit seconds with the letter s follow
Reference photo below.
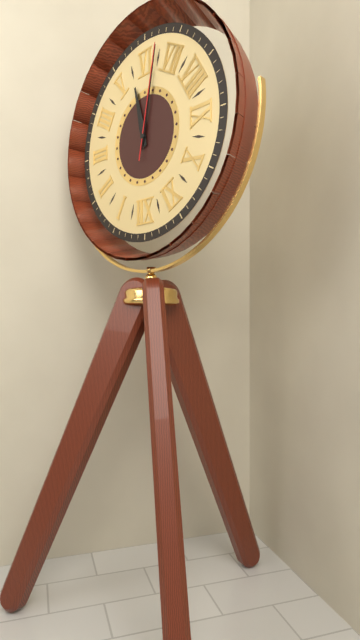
5h32m32s
